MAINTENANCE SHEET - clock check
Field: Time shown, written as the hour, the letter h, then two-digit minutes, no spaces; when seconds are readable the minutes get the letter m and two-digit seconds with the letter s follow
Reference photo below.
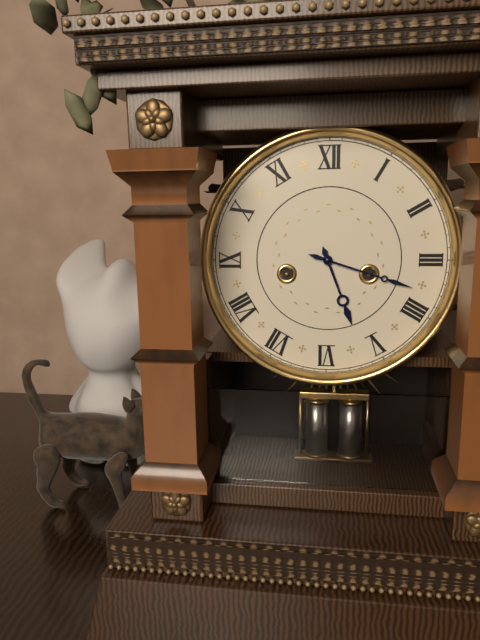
5h18
